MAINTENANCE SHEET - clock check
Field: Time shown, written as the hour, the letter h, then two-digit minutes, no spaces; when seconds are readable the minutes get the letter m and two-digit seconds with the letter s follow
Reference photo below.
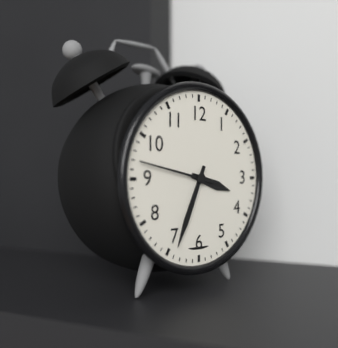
3h34m47s
